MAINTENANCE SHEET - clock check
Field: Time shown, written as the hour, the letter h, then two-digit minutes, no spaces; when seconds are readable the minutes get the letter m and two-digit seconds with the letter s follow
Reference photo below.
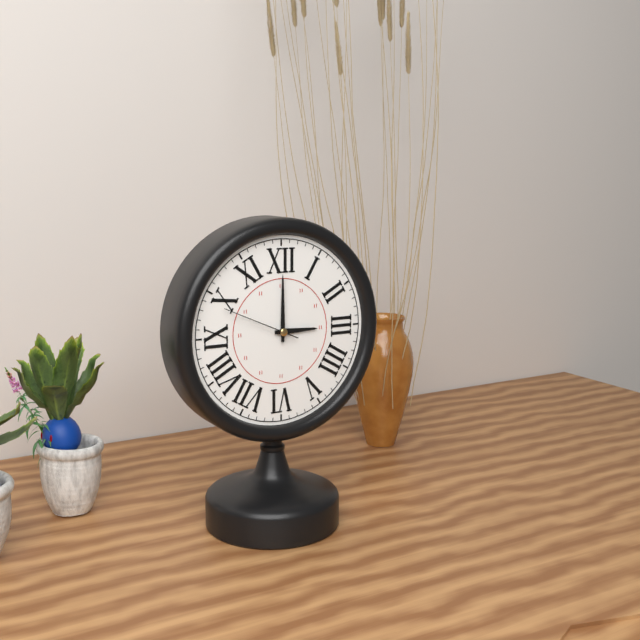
3h00m49s
